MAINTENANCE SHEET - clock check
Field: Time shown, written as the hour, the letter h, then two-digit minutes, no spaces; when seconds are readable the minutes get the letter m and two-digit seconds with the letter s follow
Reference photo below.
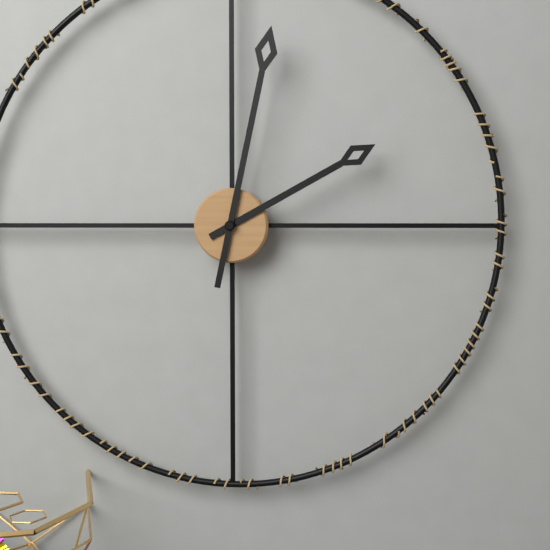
2h02
